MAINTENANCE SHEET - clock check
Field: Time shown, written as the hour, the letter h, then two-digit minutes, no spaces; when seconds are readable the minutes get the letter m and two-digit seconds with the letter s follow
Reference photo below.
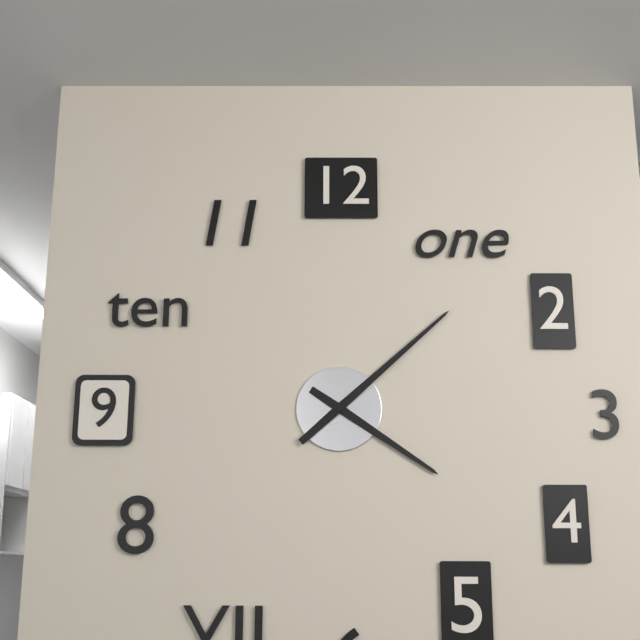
4h08
